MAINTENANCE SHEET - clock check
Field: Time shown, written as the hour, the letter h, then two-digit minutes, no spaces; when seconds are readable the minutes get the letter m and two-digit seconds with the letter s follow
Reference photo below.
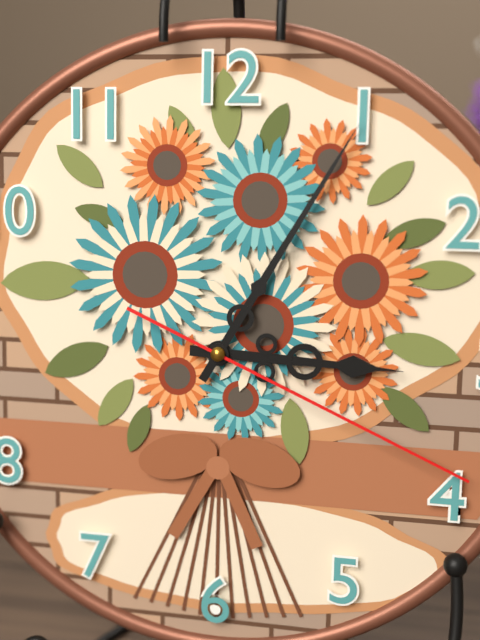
3h05m19s
